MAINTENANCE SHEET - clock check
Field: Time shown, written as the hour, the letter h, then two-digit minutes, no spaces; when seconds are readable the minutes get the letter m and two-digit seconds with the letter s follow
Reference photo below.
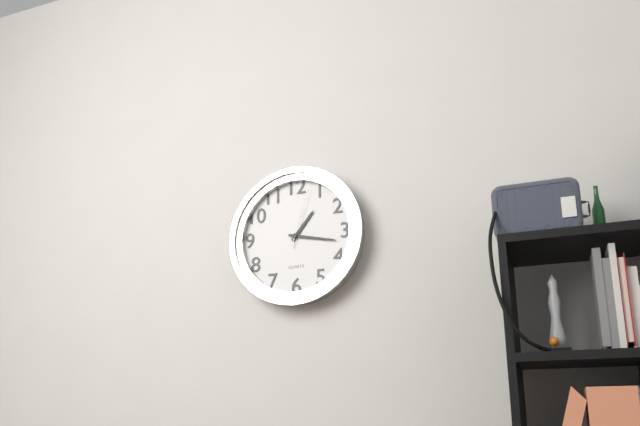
1h17m03s
